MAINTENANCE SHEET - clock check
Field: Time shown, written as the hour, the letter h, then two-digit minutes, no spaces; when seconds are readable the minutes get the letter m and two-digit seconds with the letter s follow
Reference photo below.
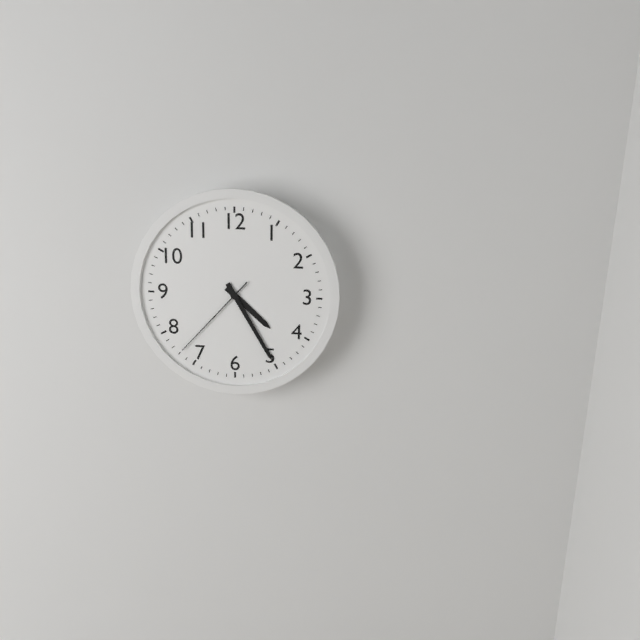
4h25m37s
